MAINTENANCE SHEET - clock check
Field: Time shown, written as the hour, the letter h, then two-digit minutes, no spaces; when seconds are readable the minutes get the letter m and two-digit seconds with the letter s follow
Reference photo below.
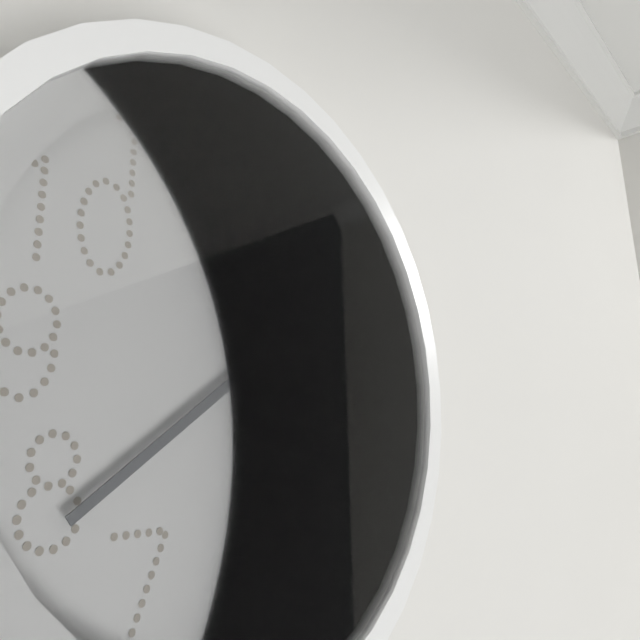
2h39
